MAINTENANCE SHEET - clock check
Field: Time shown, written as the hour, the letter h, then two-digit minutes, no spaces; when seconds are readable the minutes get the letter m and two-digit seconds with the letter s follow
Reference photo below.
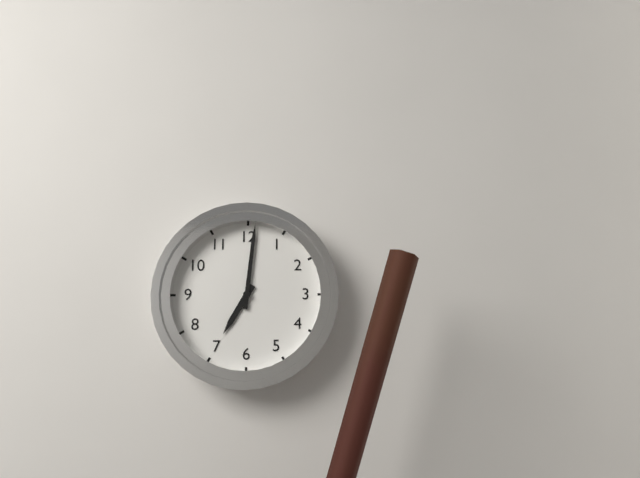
7h01
